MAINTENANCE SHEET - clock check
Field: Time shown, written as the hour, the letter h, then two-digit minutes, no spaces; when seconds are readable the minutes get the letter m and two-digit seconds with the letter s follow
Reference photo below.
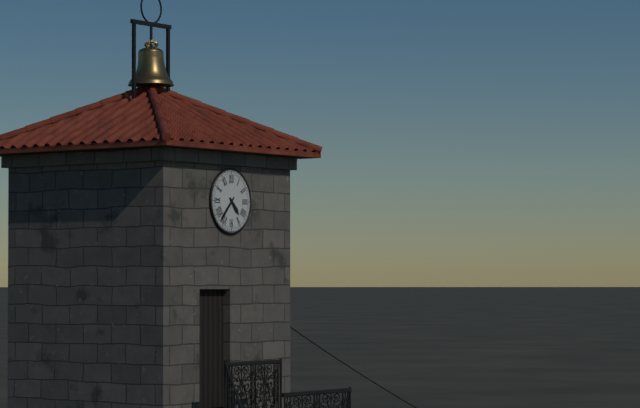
4h37
